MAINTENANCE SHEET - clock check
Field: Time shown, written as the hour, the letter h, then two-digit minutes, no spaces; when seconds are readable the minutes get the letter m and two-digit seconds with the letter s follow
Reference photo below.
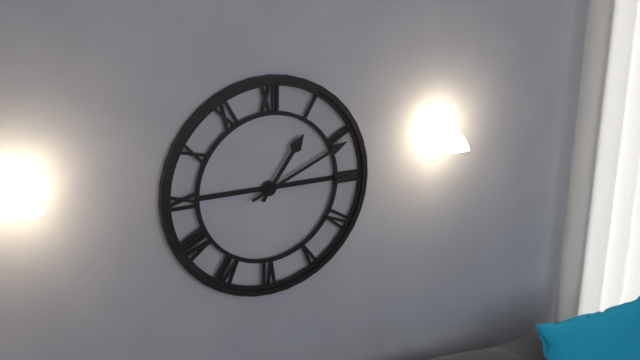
1h11
